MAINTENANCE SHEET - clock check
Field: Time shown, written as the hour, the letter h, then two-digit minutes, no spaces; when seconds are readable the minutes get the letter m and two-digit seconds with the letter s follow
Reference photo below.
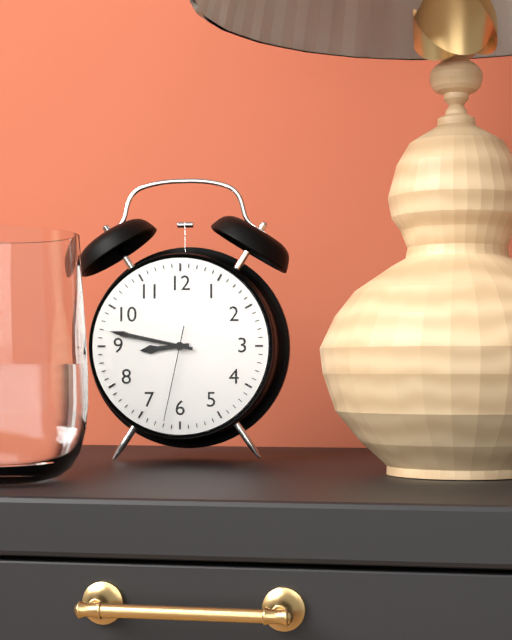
8h47m32s
